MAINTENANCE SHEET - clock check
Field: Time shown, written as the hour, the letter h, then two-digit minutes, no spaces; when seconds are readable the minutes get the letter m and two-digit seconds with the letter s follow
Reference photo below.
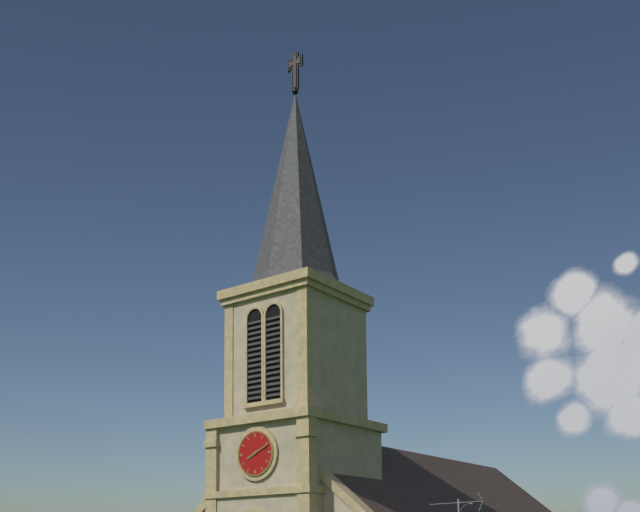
8h11
